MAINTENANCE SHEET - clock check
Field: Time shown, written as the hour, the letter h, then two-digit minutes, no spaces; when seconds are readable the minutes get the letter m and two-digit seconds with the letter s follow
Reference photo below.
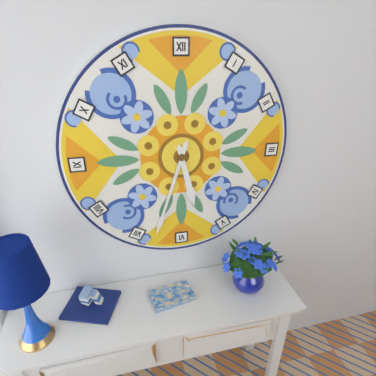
5h33
